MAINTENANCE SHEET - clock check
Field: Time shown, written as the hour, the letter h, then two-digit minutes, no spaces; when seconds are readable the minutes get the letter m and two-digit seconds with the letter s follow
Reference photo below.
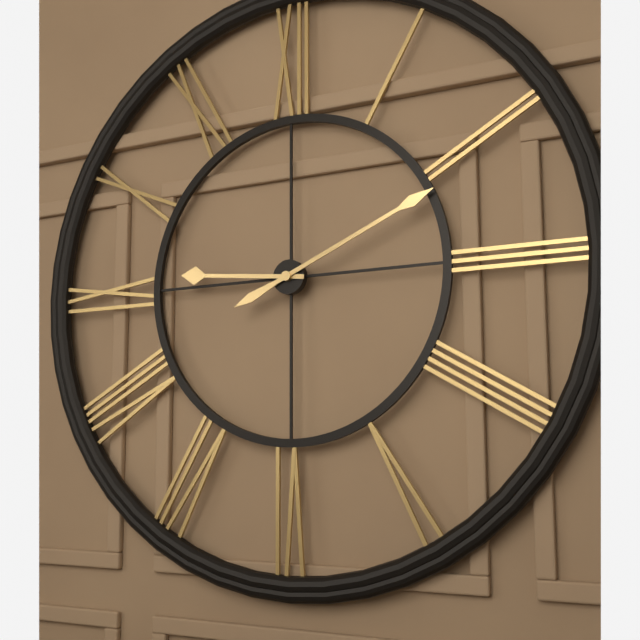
9h11
